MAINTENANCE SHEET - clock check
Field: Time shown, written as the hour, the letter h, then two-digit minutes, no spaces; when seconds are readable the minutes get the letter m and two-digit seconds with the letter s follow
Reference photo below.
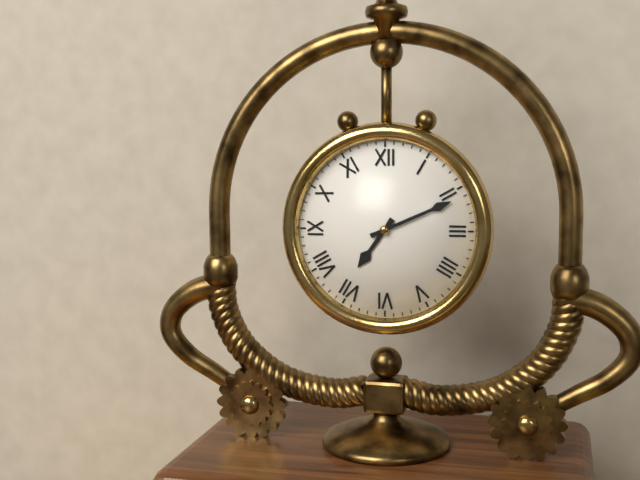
7h11
